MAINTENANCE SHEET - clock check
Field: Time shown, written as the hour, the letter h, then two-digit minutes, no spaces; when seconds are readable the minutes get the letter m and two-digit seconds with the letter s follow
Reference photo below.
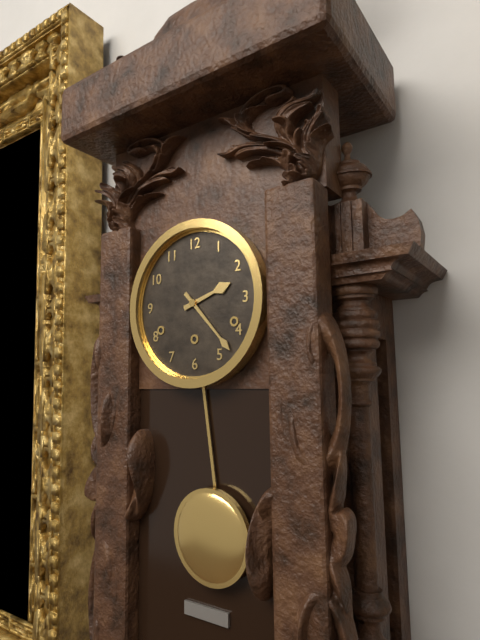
2h23
